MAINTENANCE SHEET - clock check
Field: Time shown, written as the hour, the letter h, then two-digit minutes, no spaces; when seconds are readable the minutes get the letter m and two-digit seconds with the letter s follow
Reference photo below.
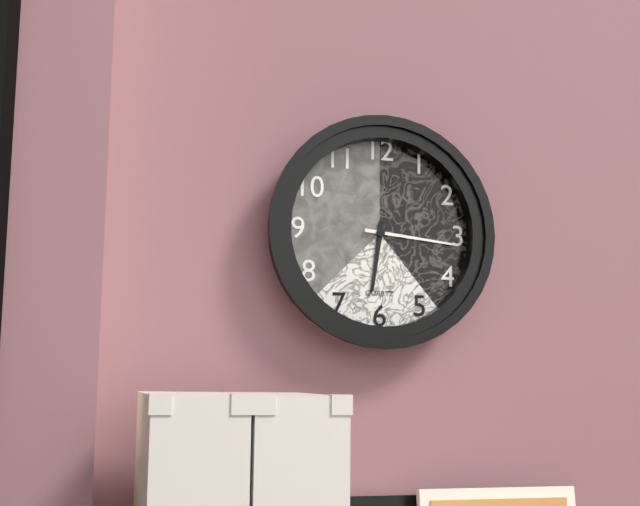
6h16
